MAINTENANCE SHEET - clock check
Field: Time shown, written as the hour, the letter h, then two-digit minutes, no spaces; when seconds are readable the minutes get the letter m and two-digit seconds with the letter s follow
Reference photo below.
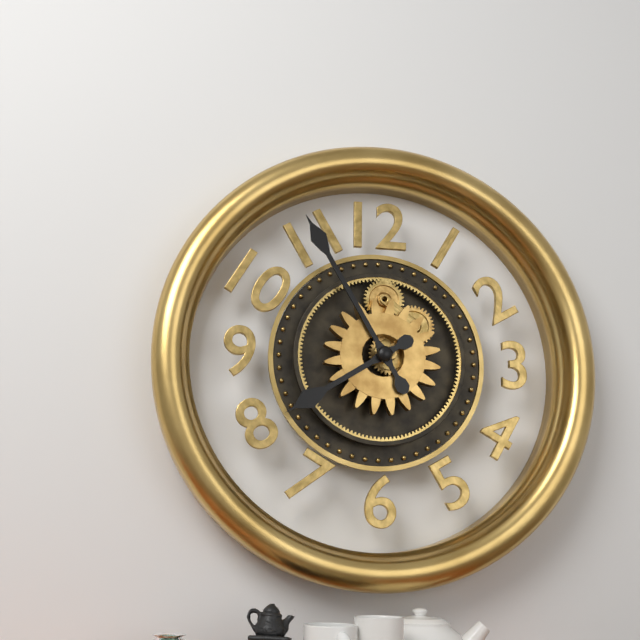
7h55
